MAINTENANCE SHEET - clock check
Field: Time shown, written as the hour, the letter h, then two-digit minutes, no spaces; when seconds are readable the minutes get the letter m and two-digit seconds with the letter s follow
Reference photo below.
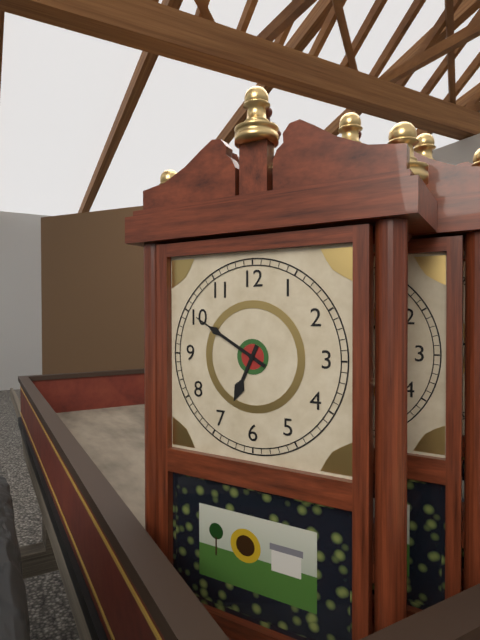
6h50
